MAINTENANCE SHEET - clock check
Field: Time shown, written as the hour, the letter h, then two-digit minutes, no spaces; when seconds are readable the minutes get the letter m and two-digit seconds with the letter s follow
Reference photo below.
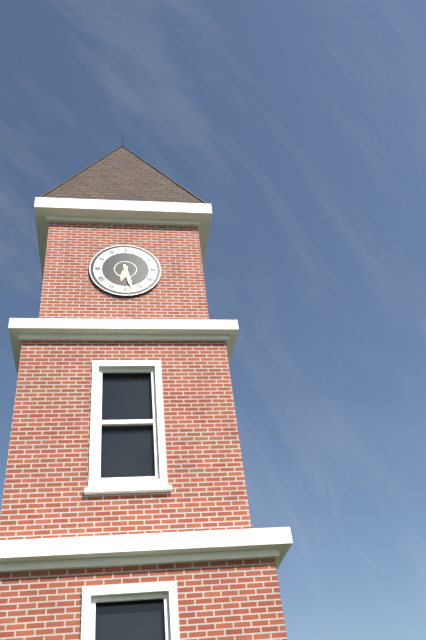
6h28
